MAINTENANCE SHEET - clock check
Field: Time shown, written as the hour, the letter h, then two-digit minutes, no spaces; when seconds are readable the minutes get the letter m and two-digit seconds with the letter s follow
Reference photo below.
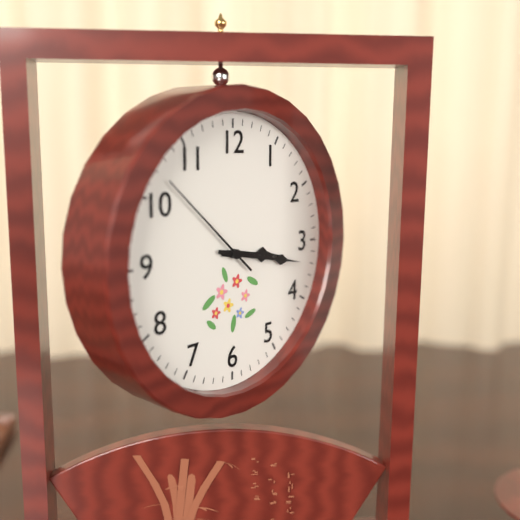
3h17m52s
